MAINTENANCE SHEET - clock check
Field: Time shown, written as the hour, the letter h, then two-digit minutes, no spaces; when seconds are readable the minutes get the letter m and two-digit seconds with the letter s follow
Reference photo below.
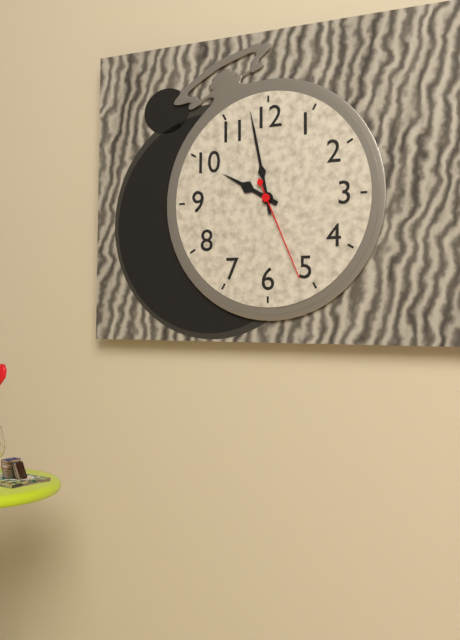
9h58m26s
